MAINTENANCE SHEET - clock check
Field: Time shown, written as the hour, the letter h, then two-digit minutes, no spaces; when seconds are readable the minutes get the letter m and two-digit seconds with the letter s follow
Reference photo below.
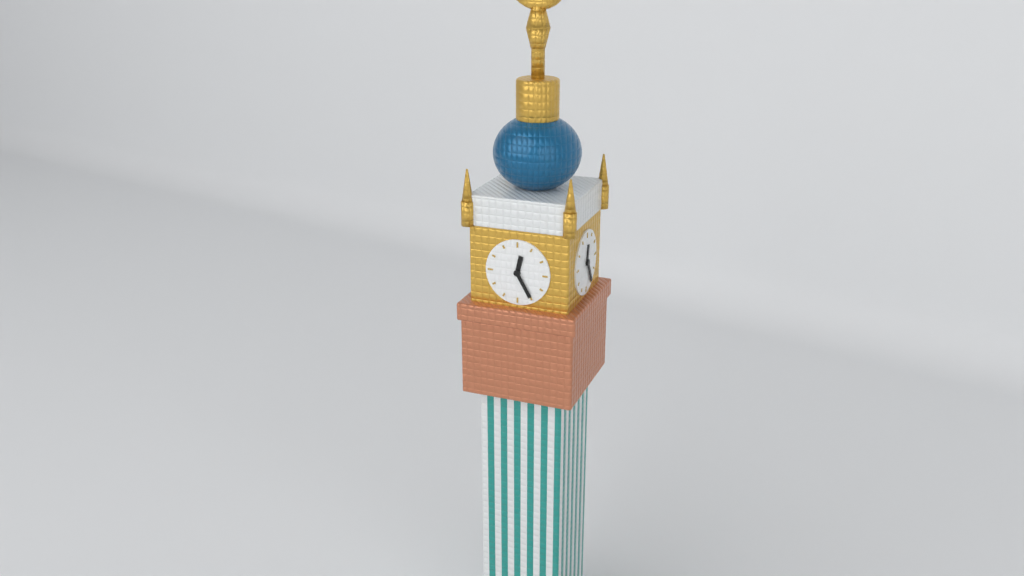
12h25
